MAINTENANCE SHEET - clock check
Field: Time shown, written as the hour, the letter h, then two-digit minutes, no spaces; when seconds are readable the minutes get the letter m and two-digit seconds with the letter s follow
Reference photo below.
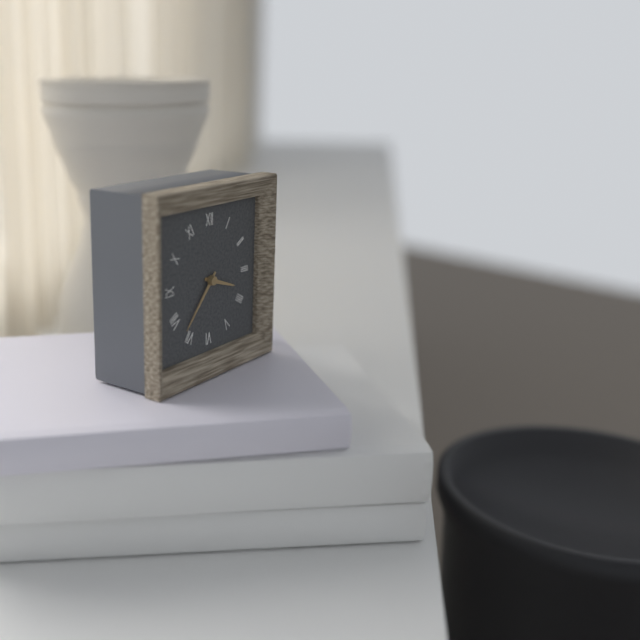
3h37
